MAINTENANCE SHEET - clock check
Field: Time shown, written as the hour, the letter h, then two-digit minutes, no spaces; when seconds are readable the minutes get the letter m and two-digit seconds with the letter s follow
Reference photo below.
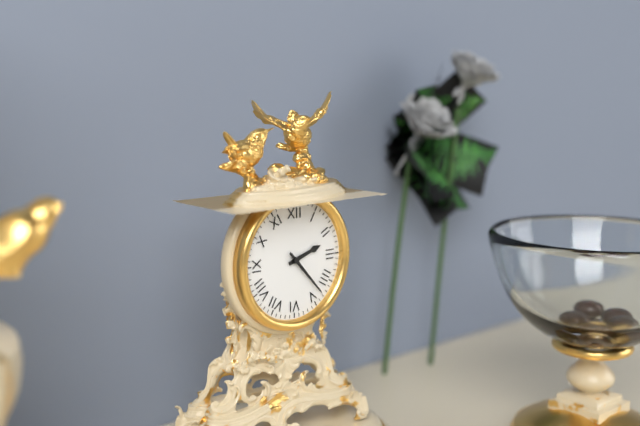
2h23
